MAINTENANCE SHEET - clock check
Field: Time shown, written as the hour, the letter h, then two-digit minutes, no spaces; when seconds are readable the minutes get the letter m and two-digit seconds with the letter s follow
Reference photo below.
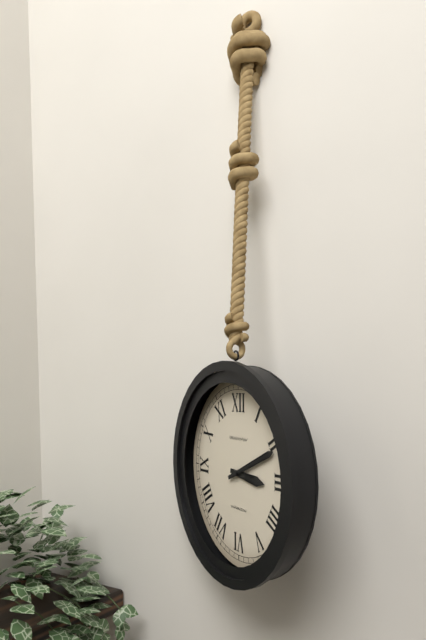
3h11
